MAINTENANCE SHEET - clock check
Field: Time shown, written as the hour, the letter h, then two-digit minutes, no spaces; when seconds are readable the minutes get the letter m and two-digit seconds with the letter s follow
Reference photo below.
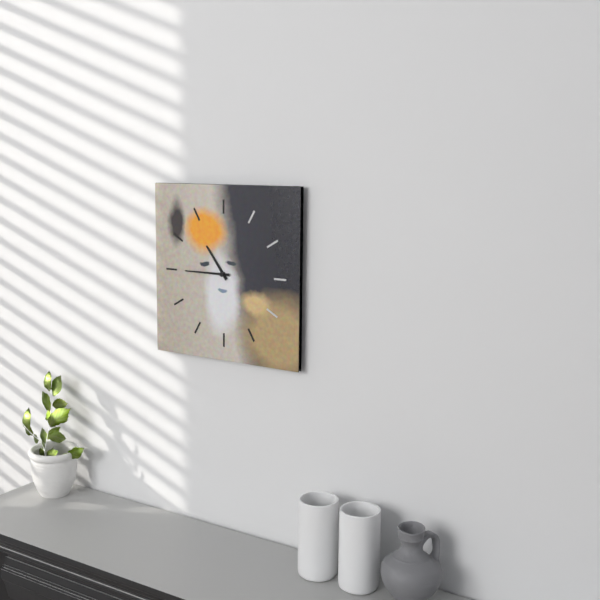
10h45
